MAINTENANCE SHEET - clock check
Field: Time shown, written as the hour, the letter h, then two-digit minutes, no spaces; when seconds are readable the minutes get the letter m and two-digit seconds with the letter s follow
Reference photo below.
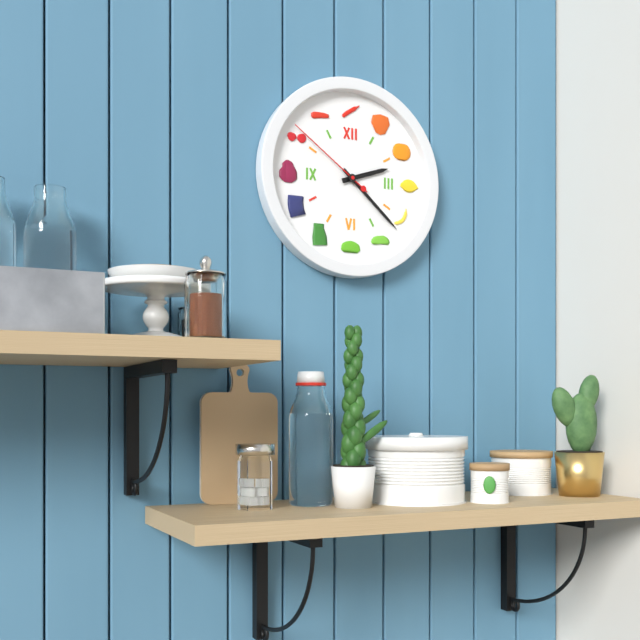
2h22m51s
